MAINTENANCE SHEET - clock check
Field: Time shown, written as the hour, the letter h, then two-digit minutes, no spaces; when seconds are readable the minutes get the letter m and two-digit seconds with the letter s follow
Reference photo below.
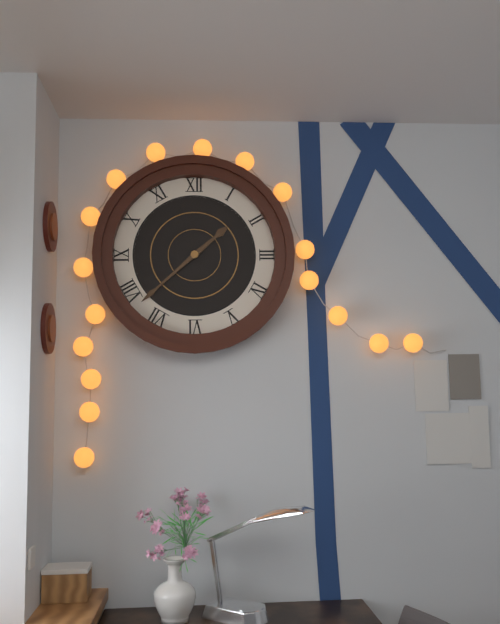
1h38
